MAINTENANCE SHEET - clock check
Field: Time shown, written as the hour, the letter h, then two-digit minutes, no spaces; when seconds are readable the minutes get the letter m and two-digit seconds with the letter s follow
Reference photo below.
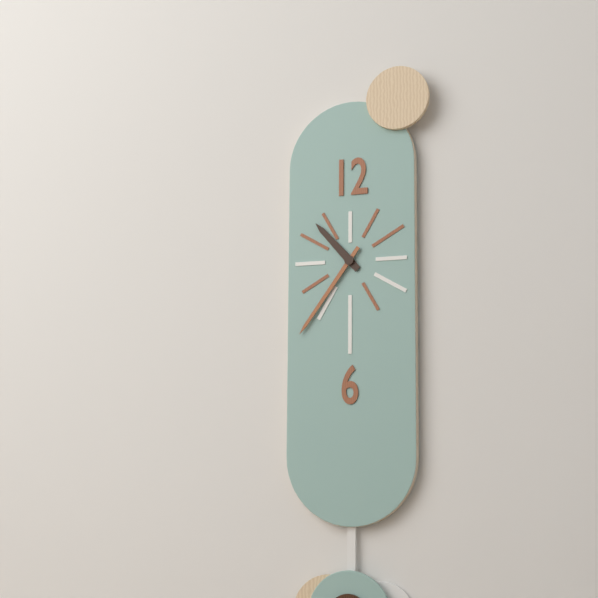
10h36
